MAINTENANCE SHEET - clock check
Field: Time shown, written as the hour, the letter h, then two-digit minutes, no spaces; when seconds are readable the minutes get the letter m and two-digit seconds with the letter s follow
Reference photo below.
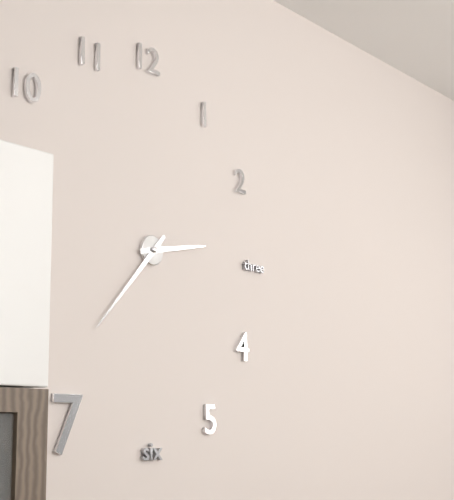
2h37
